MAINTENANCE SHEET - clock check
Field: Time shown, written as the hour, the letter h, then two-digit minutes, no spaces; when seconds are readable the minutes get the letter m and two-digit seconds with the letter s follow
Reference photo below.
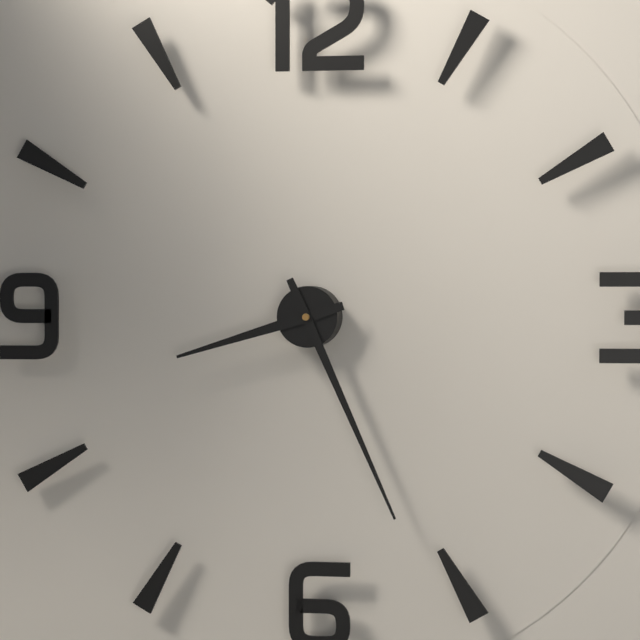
8h26
